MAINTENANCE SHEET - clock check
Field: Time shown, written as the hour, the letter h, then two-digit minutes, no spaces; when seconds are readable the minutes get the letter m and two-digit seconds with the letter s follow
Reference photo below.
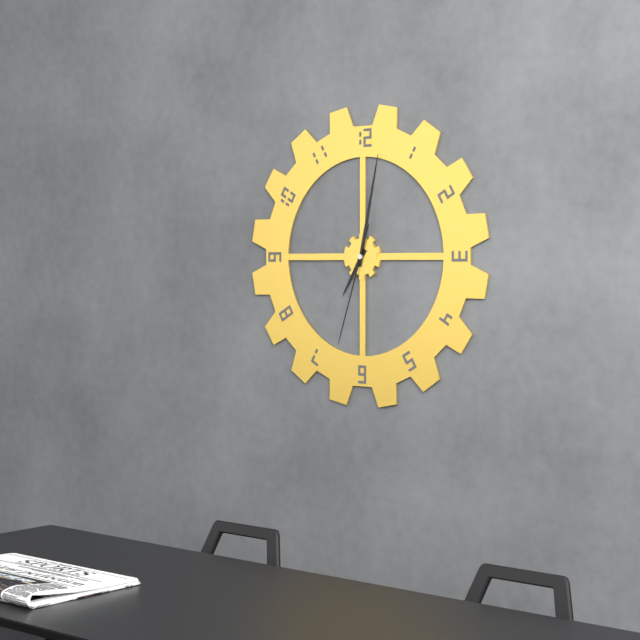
7h02m33s
